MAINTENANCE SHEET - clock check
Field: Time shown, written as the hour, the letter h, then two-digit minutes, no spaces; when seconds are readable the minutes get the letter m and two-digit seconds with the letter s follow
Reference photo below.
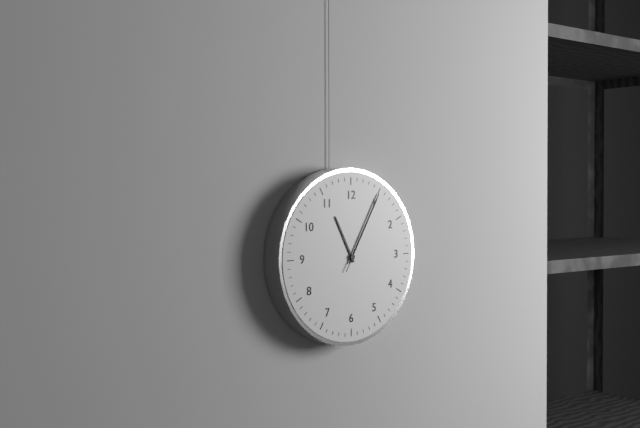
11h05m05s
